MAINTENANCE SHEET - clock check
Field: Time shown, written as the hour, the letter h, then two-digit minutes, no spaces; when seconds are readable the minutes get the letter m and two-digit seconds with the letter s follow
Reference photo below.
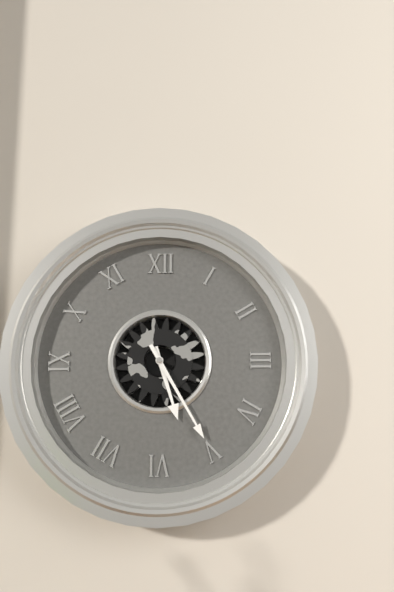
5h25
